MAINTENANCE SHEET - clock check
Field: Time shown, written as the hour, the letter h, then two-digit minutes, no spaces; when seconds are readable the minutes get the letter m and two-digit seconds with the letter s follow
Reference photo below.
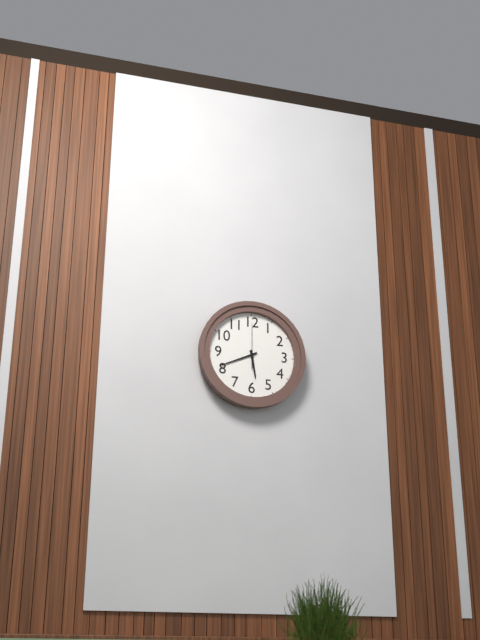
5h41
